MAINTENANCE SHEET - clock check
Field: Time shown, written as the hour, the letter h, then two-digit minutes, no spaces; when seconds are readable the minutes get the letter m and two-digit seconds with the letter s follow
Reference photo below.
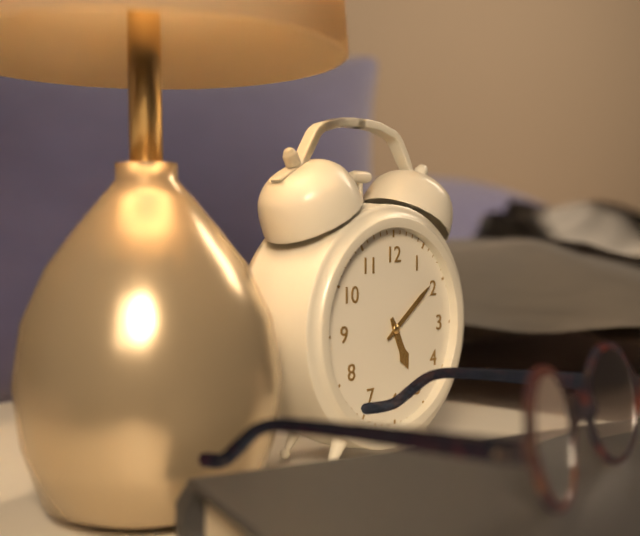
5h09
